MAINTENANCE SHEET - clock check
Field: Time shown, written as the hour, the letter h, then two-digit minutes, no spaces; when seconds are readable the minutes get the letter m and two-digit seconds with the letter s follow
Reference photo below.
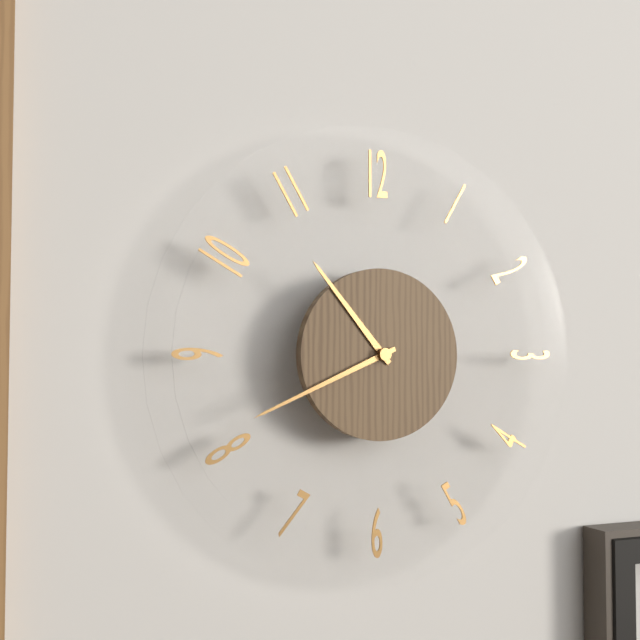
10h41
